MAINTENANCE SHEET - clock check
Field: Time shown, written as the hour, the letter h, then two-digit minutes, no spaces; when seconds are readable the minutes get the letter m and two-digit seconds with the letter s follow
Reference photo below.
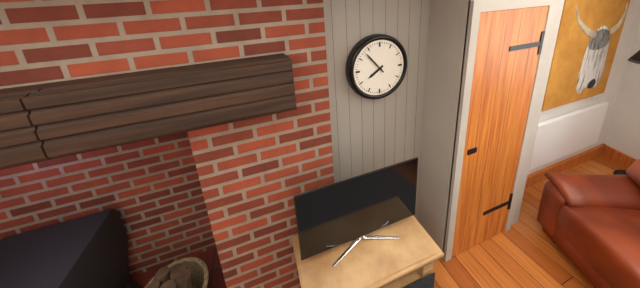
7h53
